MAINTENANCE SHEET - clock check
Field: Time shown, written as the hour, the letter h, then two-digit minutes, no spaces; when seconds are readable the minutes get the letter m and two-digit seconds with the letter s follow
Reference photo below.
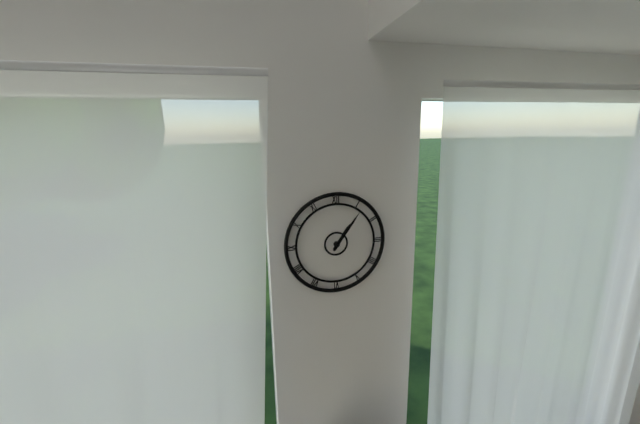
1h06
